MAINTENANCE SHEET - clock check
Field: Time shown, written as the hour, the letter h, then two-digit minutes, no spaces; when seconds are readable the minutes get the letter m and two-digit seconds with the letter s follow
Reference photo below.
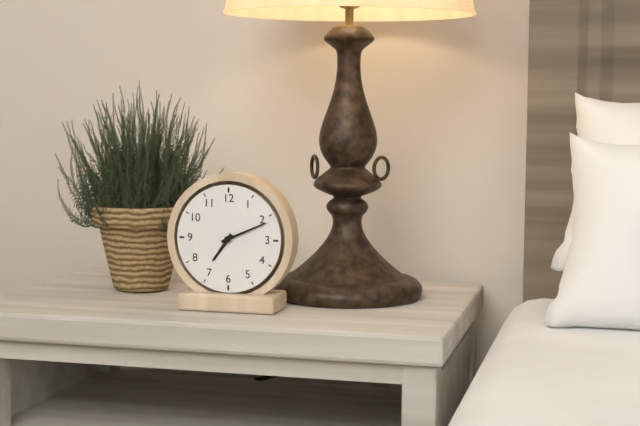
7h11
